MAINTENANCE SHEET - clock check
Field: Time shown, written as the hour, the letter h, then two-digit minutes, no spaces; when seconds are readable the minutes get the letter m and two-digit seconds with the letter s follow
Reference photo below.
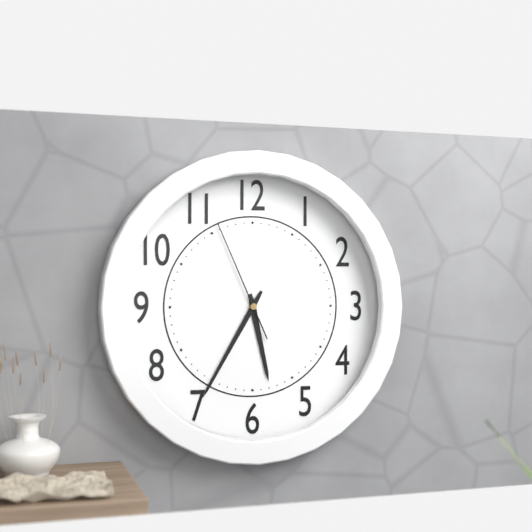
5h35m56s
